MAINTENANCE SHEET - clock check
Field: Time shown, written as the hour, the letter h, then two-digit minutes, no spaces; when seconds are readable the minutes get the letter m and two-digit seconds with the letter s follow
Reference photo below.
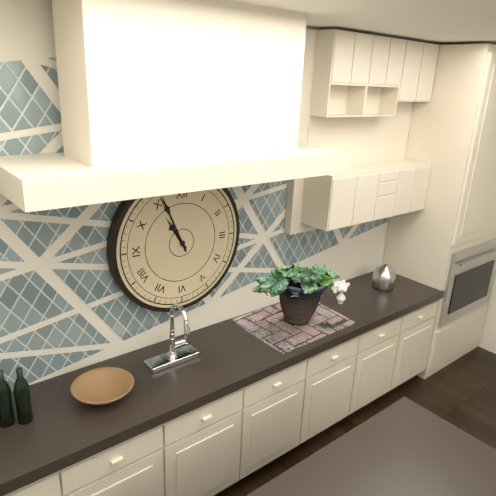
10h56
